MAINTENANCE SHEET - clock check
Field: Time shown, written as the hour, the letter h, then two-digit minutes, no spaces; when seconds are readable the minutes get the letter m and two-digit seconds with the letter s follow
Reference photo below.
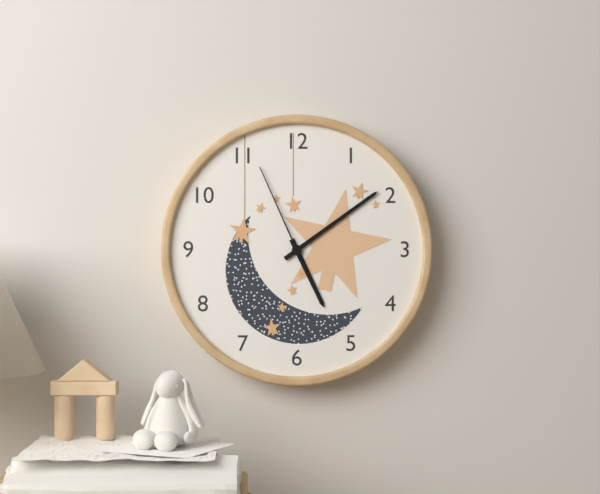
5h09m56s
